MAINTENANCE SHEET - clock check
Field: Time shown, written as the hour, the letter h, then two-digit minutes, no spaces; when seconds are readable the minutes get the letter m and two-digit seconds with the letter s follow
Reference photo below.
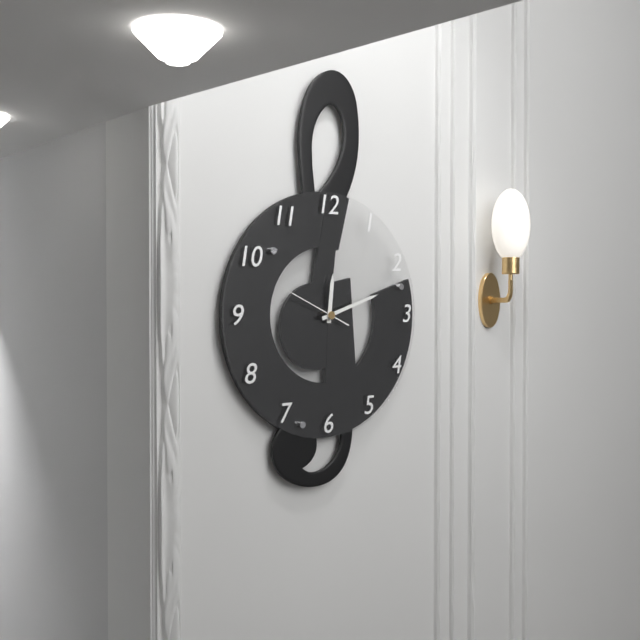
12h12m49s
